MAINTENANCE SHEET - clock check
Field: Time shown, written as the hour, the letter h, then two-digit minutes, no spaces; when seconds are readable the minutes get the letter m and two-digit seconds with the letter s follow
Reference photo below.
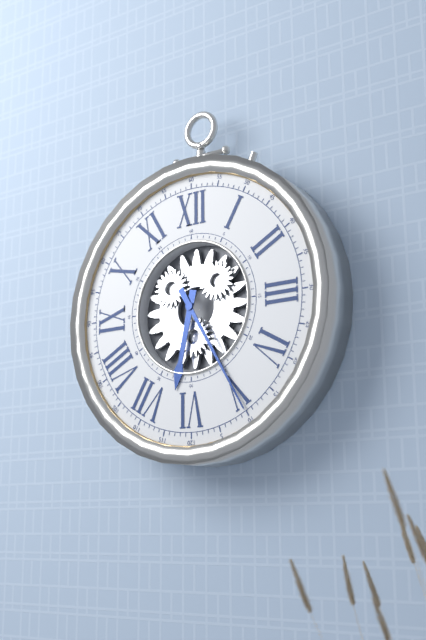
6h25
